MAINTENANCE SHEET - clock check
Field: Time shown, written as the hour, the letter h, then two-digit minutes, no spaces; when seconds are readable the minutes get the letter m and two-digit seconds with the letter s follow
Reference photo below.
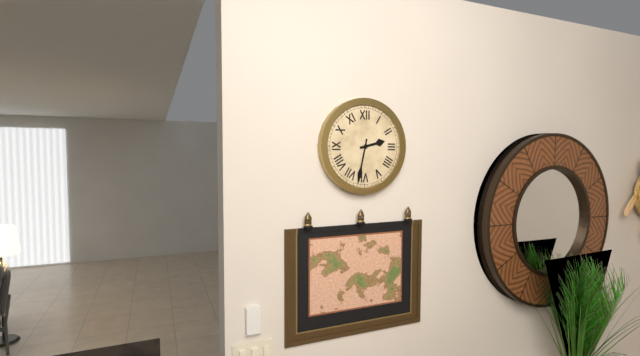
2h32
